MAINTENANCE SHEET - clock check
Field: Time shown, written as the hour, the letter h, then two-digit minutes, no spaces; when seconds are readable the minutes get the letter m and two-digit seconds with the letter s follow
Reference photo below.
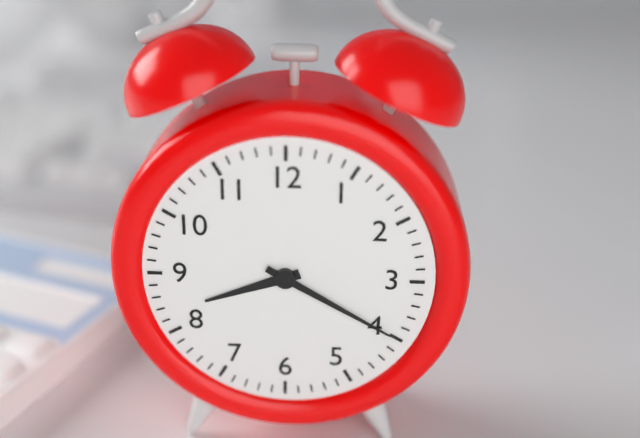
8h20
